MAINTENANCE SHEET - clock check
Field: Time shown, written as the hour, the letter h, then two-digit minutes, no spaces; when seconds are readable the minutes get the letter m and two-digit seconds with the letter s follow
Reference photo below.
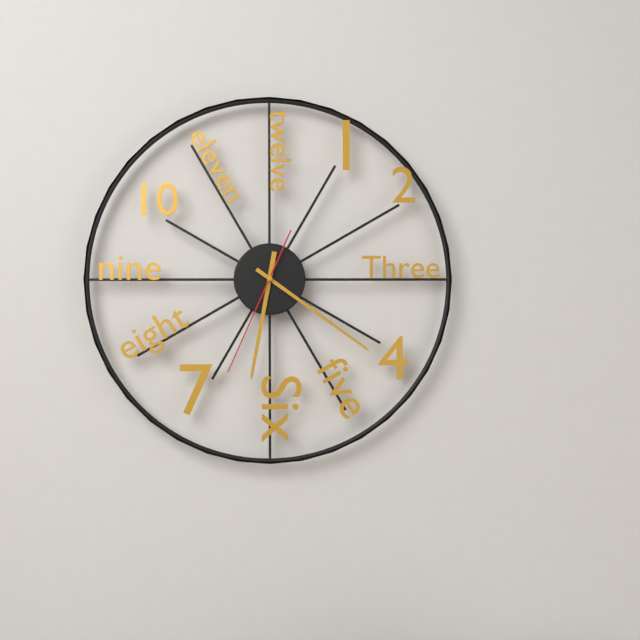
6h21m34s
